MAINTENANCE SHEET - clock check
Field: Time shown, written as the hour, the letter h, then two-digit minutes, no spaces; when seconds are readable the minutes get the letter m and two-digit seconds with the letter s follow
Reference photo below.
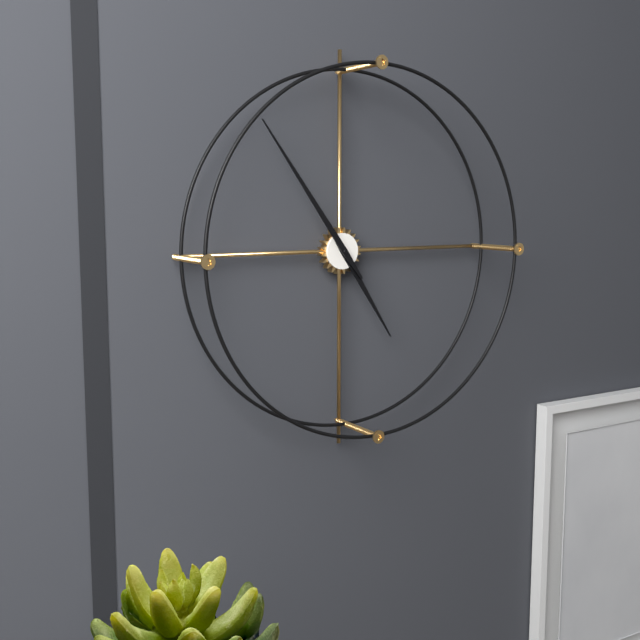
4h54
